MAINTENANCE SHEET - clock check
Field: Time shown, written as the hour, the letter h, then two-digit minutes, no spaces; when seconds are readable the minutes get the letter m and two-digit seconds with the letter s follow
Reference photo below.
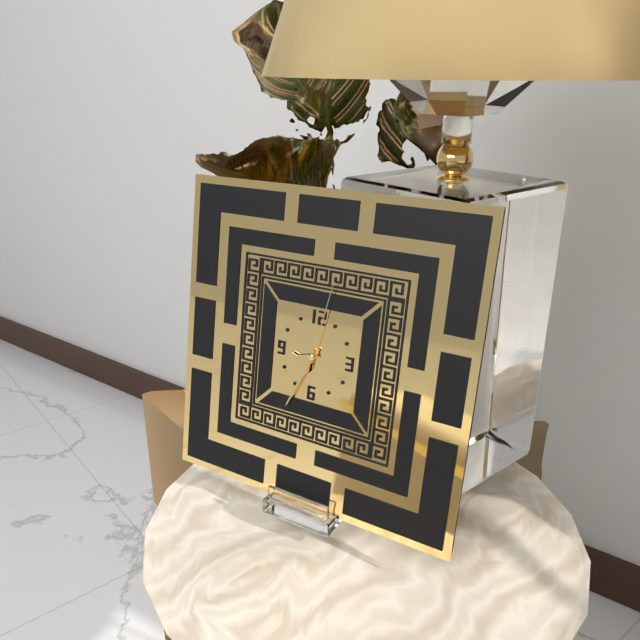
8h34m02s
